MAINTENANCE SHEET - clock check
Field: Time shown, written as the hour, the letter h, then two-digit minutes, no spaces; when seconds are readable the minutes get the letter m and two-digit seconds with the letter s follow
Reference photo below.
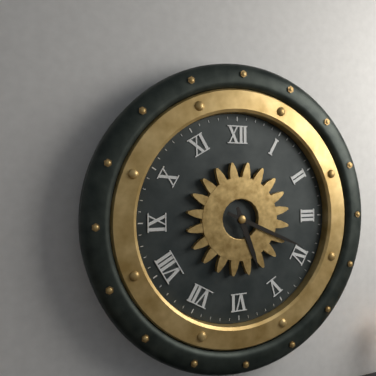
5h19
